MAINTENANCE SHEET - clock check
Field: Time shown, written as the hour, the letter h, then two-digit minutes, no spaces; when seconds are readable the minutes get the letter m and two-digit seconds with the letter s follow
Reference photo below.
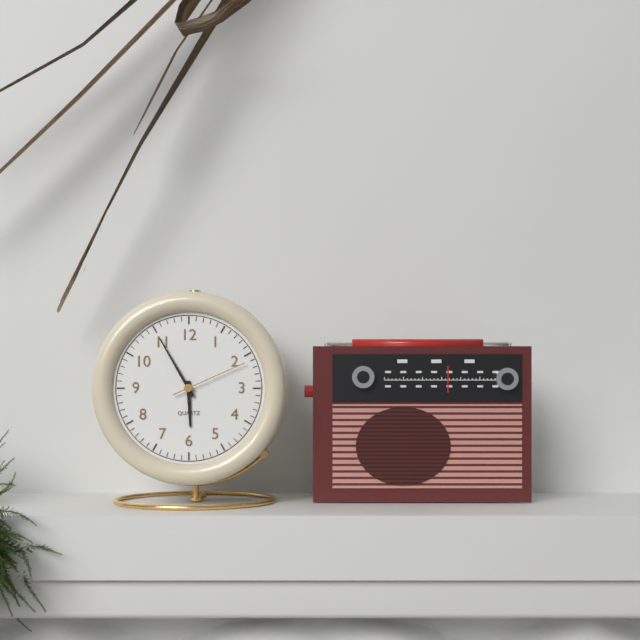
5h55m11s
